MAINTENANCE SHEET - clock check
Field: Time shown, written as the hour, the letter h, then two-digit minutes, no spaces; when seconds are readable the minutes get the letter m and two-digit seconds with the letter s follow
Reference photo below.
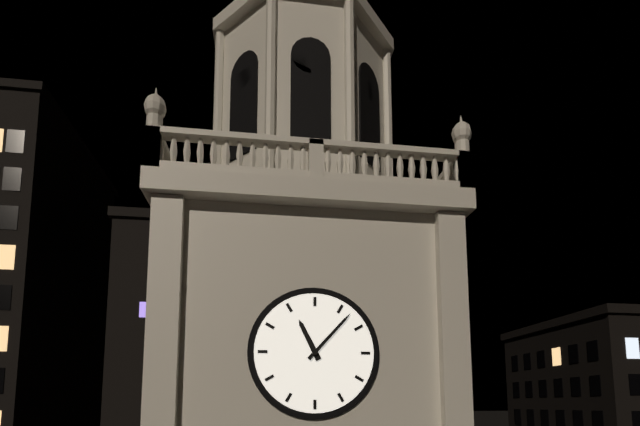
11h07
